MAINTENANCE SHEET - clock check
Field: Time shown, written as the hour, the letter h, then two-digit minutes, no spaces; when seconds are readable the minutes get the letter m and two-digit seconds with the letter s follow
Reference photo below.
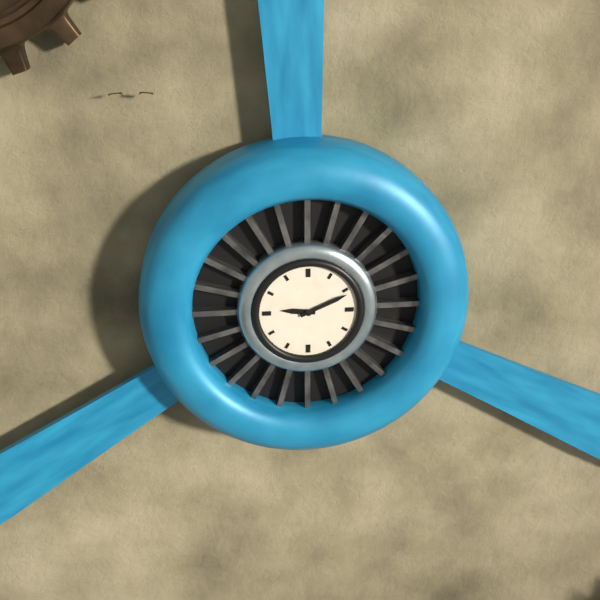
9h11
